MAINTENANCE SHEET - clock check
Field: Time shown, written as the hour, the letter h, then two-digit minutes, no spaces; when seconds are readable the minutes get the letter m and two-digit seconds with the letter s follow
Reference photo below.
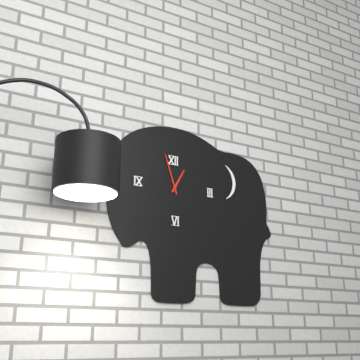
12h57
